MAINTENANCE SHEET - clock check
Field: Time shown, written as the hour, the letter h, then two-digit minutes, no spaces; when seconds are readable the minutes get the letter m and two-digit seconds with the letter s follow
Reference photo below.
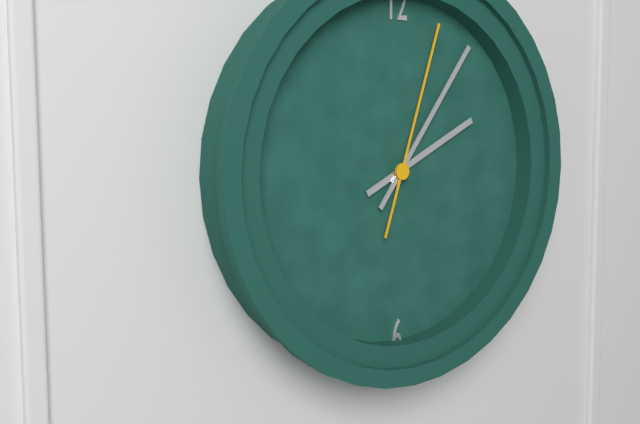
2h06m03s
